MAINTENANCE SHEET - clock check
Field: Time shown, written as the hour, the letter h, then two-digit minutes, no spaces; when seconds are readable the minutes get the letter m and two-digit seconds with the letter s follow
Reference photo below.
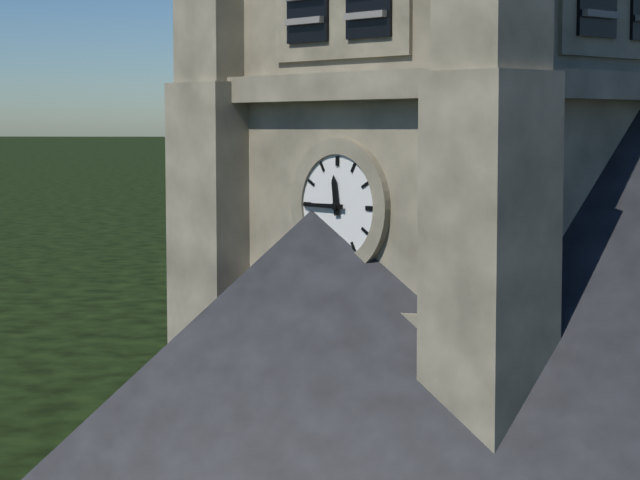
11h45
